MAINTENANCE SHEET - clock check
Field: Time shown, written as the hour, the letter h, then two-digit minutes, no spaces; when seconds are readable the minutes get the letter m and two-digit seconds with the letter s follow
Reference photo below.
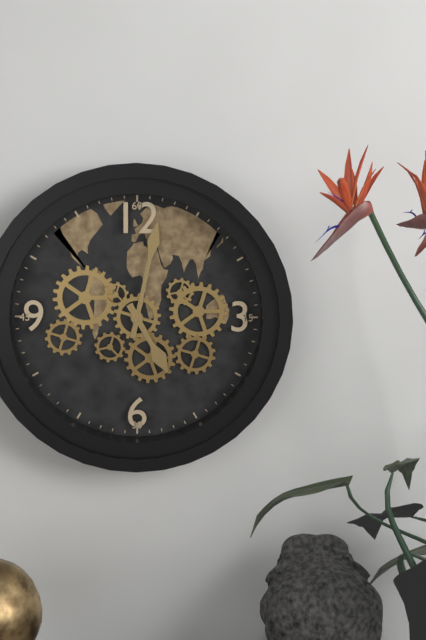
5h02
